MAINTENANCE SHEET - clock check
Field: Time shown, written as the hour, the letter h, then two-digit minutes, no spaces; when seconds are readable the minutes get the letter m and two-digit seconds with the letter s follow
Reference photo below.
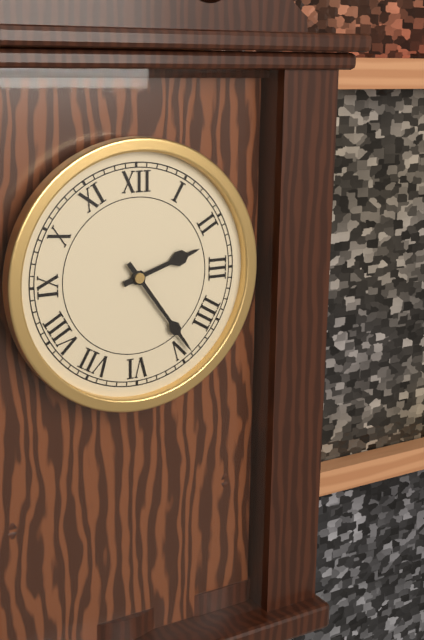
2h24
